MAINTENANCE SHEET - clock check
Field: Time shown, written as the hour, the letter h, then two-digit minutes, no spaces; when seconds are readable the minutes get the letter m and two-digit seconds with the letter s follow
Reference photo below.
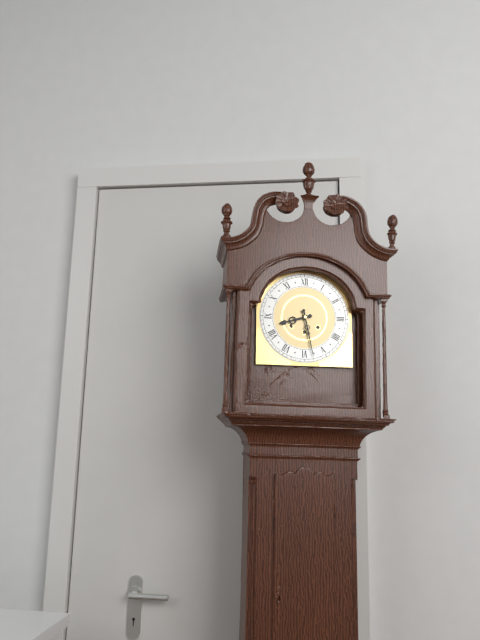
8h28
